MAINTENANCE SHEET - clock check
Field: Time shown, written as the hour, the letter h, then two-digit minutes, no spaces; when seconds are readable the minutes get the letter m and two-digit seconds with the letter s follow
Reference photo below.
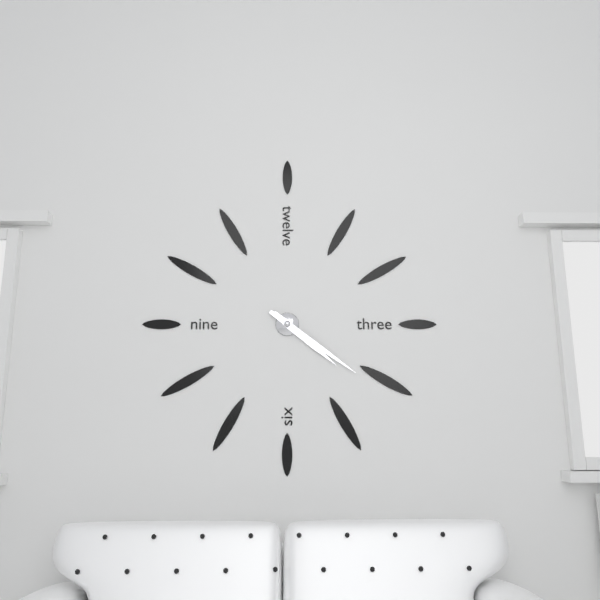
4h21
